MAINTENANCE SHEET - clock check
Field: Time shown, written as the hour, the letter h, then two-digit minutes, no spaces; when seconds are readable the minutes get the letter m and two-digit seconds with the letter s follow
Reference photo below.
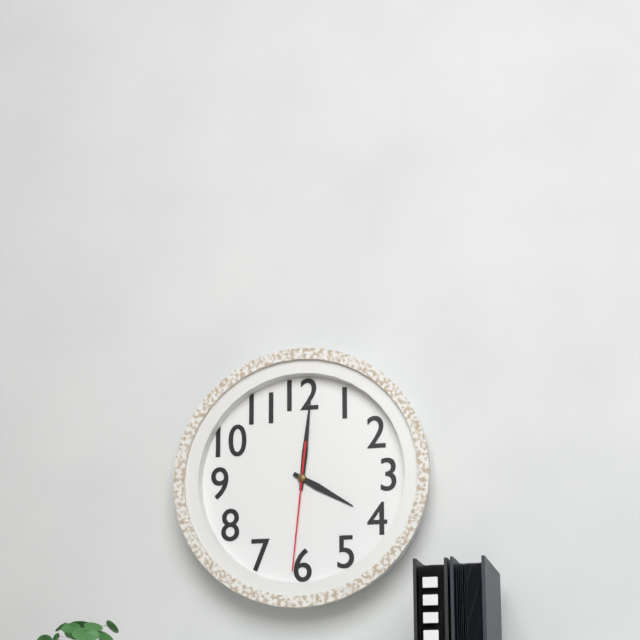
4h01m31s
